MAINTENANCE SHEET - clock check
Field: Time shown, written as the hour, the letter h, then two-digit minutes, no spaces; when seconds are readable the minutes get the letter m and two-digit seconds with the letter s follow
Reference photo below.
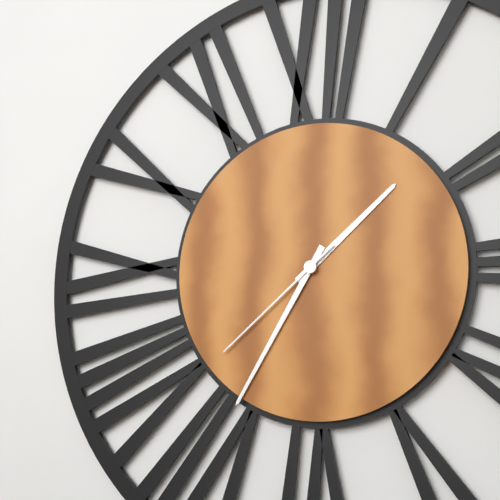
1h35m38s
